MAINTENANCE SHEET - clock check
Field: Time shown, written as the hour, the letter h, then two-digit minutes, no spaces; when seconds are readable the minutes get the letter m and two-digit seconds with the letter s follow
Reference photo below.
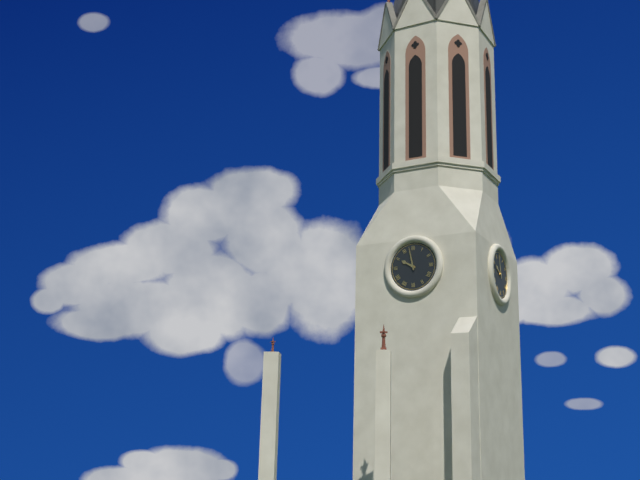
9h58
